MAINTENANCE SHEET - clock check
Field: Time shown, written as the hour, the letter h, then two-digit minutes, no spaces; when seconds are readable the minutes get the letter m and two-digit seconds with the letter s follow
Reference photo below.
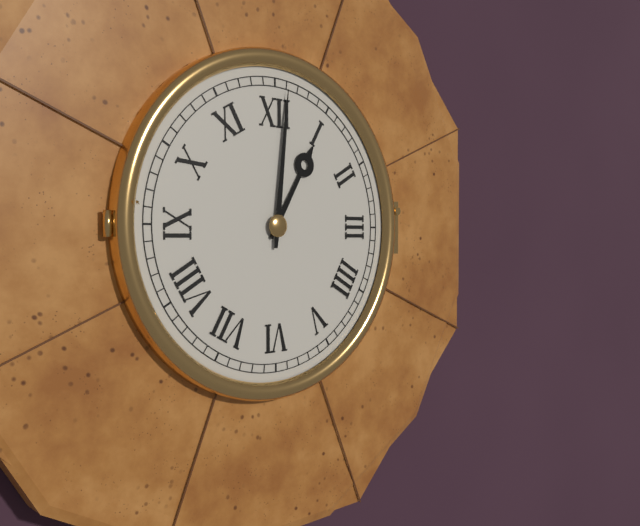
1h01
